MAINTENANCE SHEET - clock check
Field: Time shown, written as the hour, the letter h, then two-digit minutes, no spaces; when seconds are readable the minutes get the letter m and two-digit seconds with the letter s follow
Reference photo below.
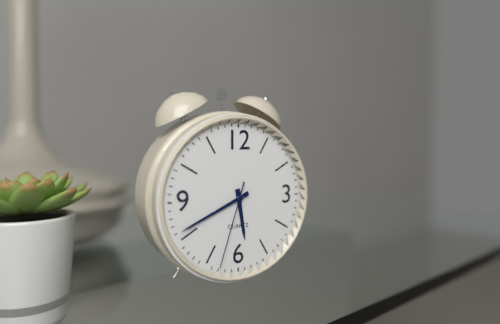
5h41m33s
